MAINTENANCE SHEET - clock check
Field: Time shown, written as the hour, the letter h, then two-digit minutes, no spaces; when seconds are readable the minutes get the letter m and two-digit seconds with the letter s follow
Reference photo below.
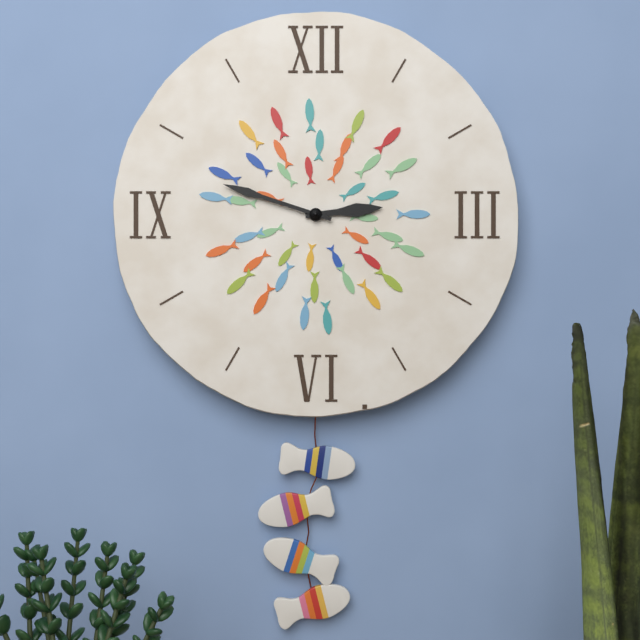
2h48
